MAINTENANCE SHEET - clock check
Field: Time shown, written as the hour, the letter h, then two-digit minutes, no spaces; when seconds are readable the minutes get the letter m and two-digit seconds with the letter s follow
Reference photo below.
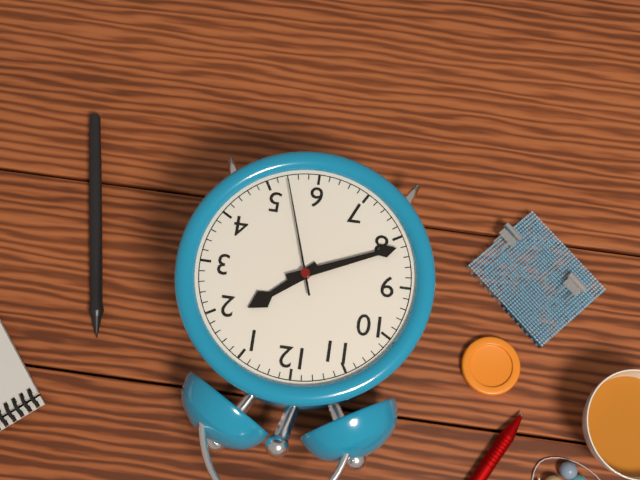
1h41m27s
